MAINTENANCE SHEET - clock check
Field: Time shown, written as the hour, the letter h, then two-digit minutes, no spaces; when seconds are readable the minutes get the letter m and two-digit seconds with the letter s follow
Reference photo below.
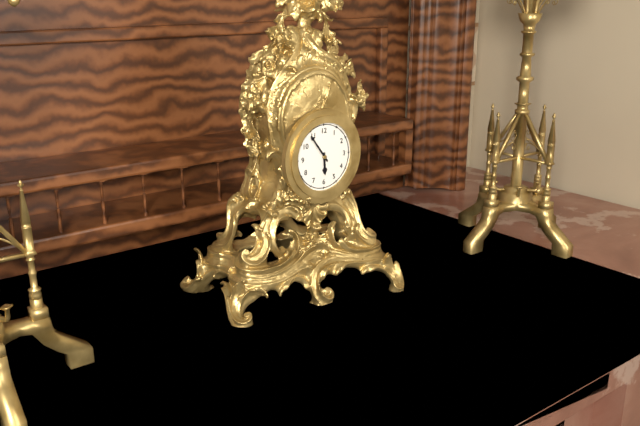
5h54
